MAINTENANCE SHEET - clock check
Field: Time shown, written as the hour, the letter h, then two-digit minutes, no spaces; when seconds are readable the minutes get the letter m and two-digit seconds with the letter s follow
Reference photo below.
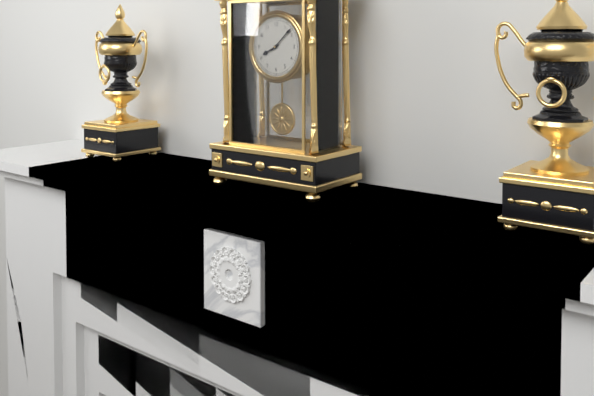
8h08
